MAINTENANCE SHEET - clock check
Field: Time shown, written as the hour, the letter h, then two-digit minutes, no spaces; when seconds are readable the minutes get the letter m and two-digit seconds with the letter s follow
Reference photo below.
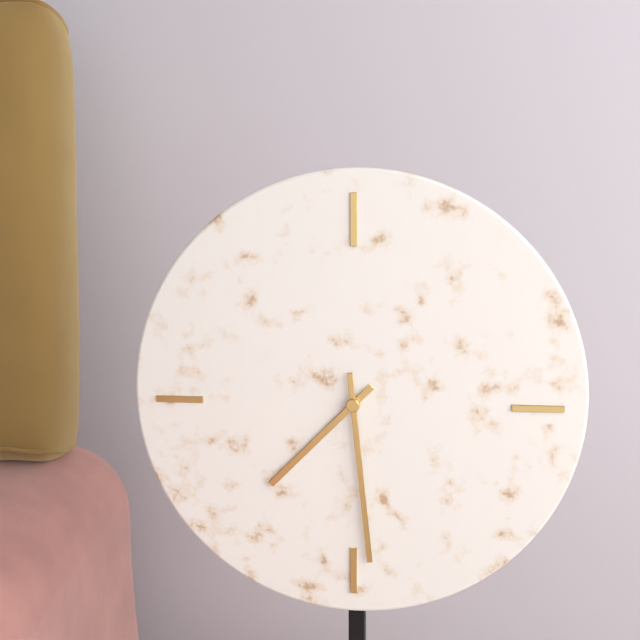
7h29
